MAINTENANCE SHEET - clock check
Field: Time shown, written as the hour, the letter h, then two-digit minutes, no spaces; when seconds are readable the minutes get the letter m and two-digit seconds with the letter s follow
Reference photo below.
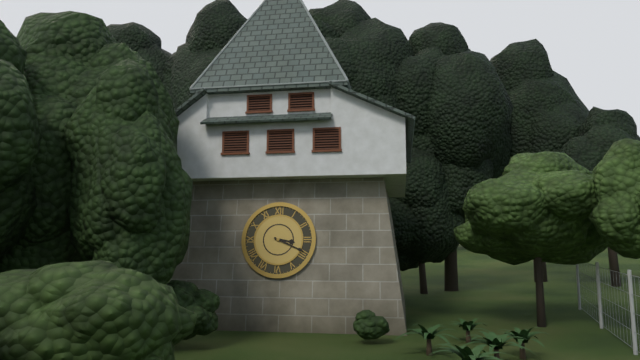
3h19
